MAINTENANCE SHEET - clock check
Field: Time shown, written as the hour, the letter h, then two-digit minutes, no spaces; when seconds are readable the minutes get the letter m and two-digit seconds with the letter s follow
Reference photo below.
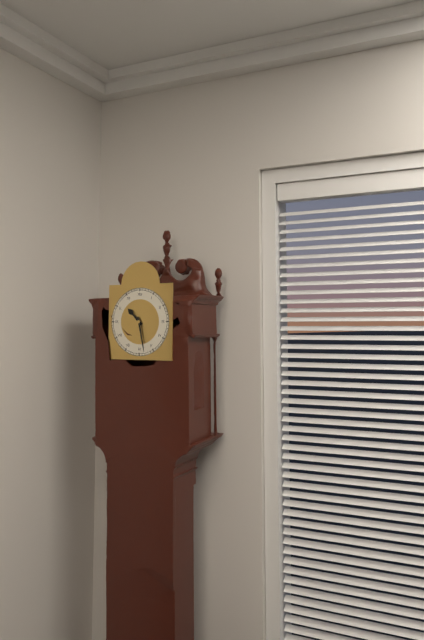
10h28
